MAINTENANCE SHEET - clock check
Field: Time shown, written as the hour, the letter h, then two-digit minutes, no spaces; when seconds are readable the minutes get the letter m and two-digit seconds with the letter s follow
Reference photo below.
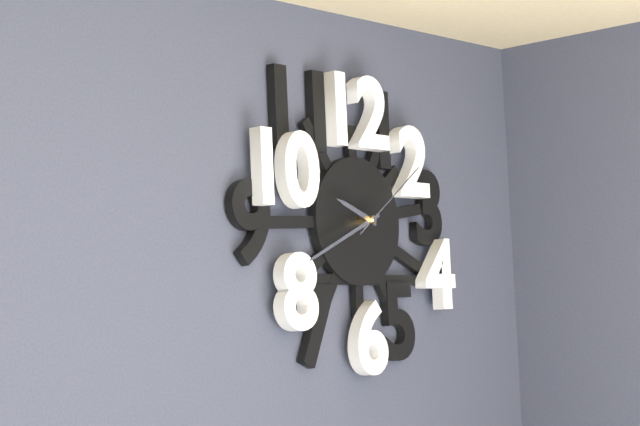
9h41m09s
